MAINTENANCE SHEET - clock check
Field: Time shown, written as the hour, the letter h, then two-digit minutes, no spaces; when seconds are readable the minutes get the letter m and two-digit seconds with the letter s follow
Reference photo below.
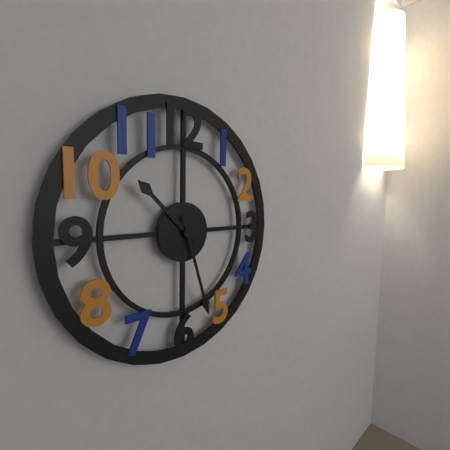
10h27
